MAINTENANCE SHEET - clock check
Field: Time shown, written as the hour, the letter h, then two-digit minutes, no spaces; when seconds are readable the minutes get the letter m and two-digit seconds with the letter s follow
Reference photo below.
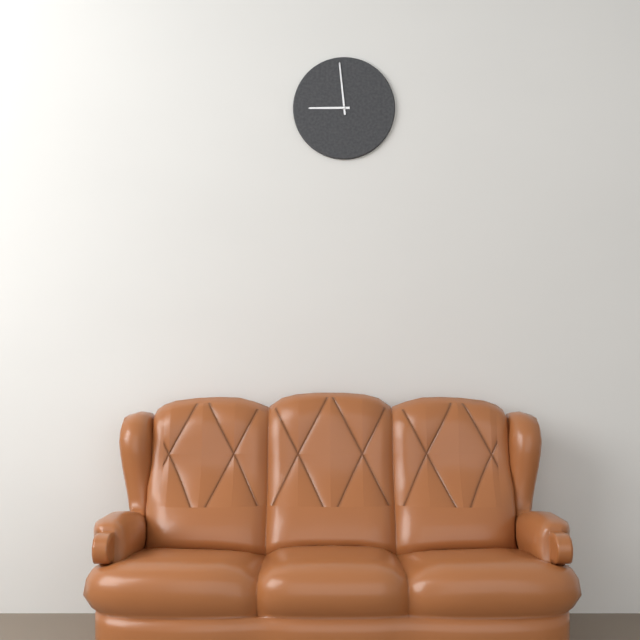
8h59
